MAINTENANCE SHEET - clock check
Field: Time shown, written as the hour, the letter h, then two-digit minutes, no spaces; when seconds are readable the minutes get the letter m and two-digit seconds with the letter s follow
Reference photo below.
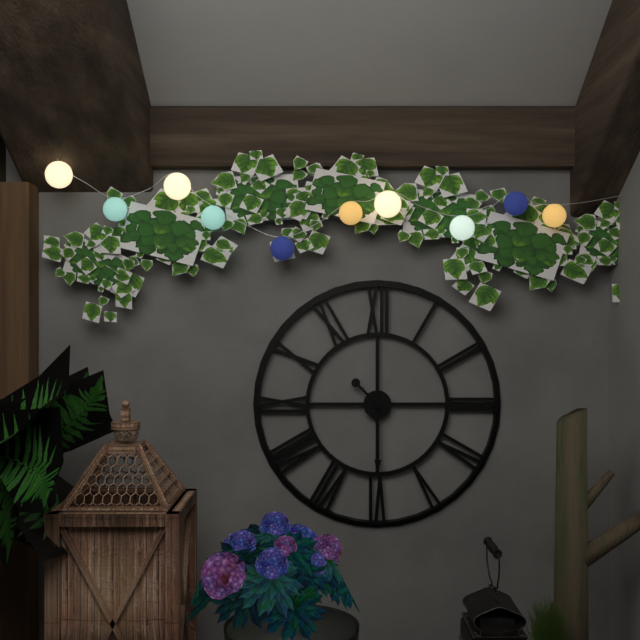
10h30
